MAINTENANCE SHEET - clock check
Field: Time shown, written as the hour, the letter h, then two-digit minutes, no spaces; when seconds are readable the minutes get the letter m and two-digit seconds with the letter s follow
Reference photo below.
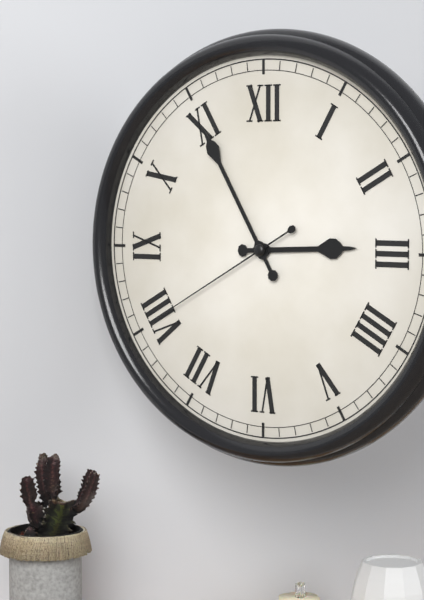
2h55m40s
